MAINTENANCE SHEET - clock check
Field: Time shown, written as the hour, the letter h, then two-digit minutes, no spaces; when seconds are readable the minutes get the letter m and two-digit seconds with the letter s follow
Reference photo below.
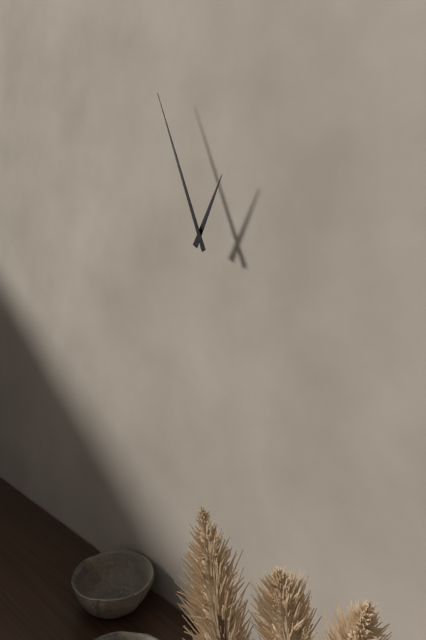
12h56
